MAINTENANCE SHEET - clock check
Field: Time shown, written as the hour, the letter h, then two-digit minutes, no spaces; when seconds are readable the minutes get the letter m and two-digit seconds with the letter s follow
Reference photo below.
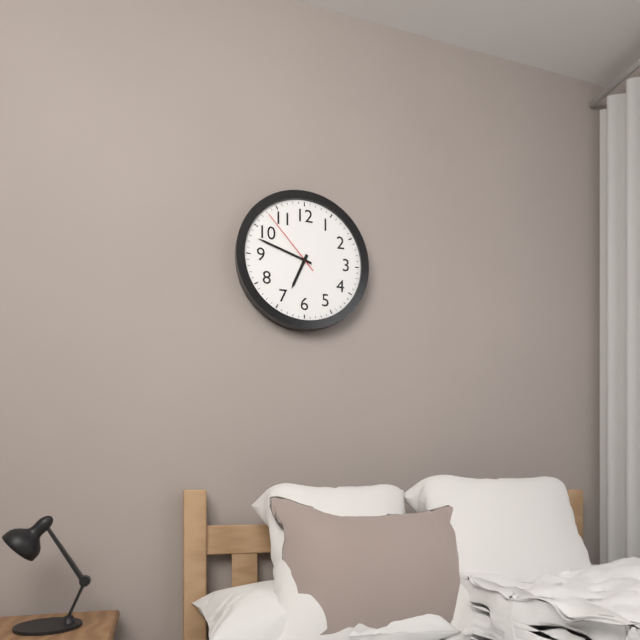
6h48m53s
